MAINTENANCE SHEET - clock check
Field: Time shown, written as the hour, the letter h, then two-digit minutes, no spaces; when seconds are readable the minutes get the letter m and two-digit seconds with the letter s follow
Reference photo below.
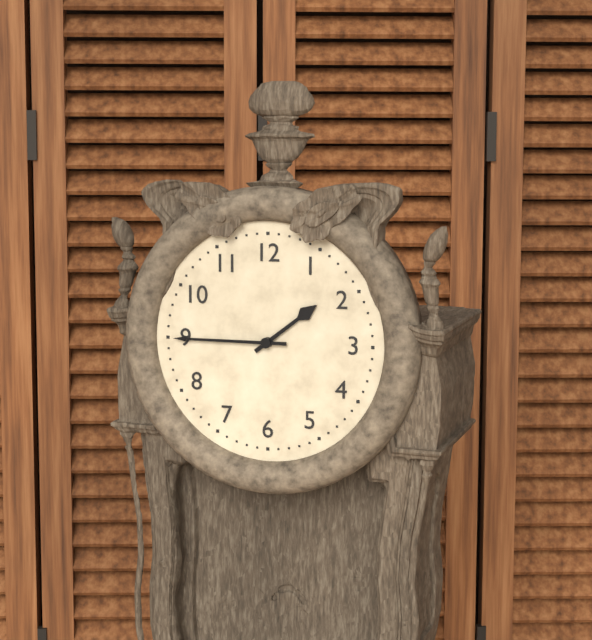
1h45
